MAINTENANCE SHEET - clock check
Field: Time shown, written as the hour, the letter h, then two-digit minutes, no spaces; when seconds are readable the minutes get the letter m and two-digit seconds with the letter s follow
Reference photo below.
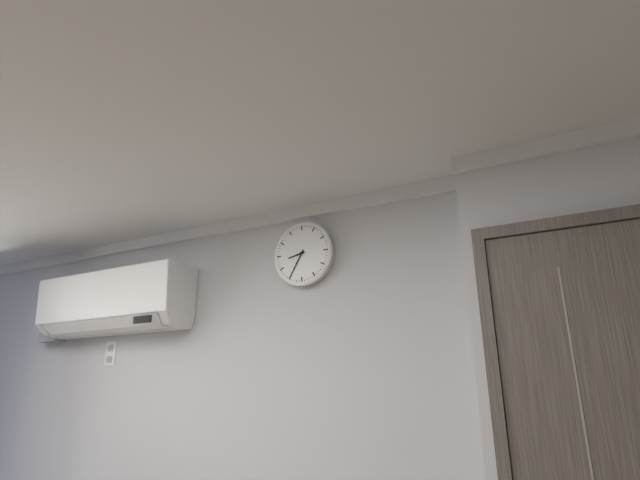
8h35
